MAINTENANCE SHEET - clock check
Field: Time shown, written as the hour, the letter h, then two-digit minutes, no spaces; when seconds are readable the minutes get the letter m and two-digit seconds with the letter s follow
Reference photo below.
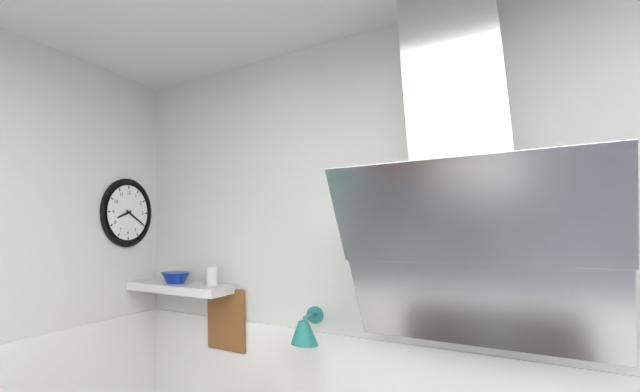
8h20
